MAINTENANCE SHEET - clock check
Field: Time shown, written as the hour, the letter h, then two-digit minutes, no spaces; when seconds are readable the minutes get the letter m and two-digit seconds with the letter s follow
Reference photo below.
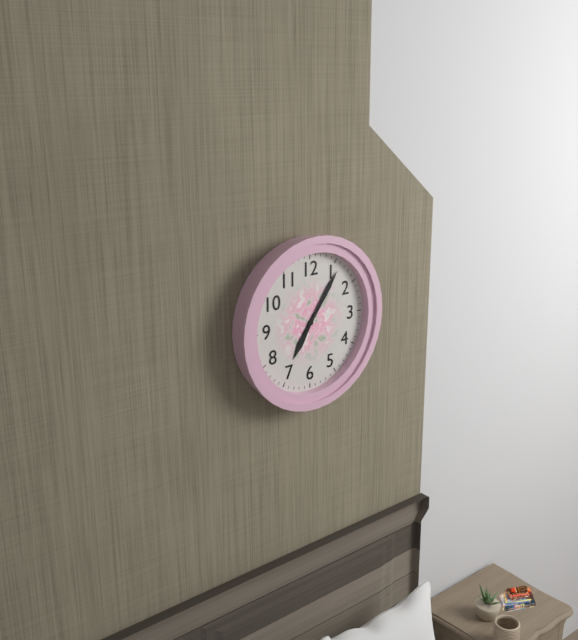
7h06
